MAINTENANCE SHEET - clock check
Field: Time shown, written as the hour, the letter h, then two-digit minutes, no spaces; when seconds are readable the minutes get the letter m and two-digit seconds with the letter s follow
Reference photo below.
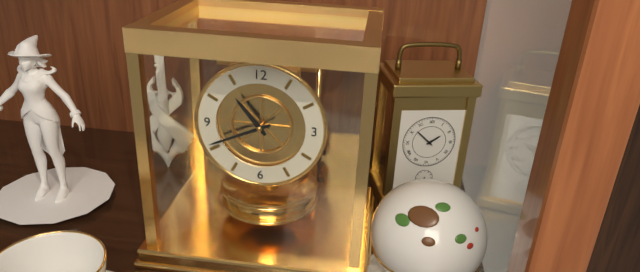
10h41
